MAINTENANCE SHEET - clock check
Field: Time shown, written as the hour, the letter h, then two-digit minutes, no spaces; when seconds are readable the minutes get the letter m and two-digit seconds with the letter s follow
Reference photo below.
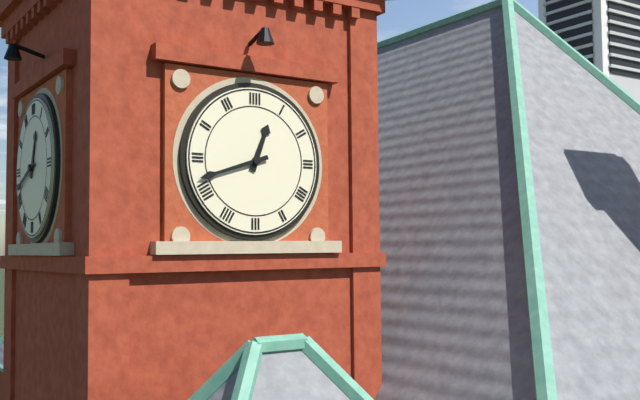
12h42
